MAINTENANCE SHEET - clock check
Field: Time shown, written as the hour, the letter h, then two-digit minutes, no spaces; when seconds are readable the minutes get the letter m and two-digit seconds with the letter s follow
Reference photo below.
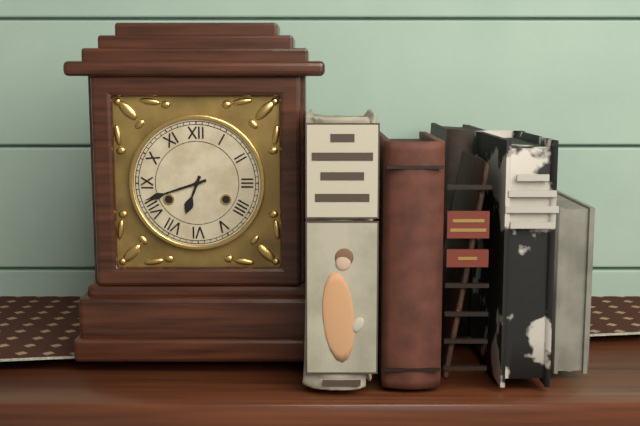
6h42
